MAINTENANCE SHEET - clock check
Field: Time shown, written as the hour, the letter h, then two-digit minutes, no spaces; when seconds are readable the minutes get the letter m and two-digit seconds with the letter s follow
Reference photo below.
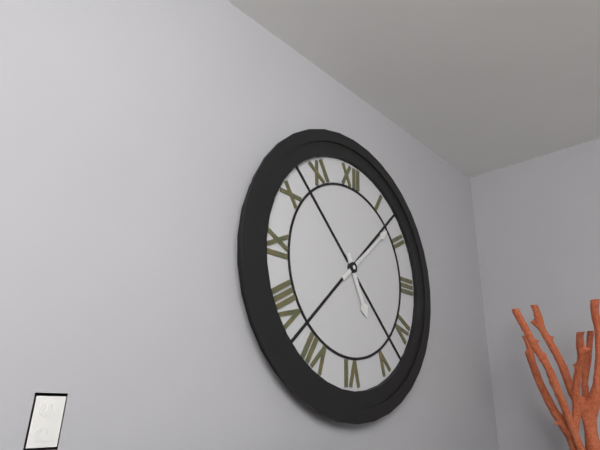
5h08
